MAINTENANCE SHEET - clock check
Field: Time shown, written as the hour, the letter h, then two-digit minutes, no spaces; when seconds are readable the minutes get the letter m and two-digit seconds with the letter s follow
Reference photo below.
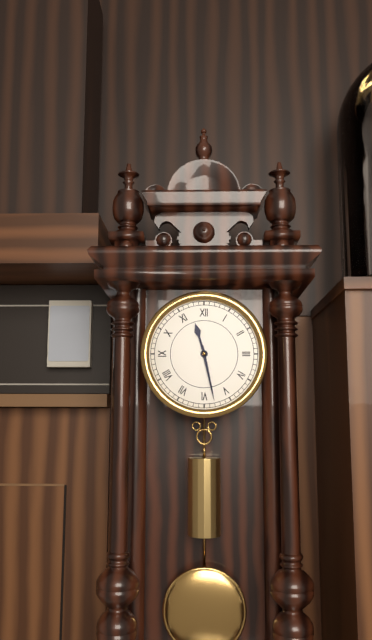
11h28
